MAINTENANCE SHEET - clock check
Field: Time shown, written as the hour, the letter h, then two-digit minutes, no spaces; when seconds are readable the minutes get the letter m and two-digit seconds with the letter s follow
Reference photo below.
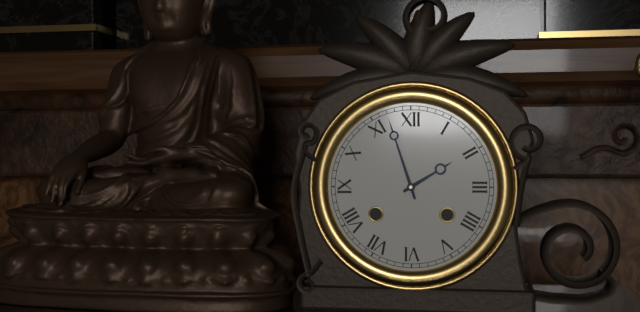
1h57
